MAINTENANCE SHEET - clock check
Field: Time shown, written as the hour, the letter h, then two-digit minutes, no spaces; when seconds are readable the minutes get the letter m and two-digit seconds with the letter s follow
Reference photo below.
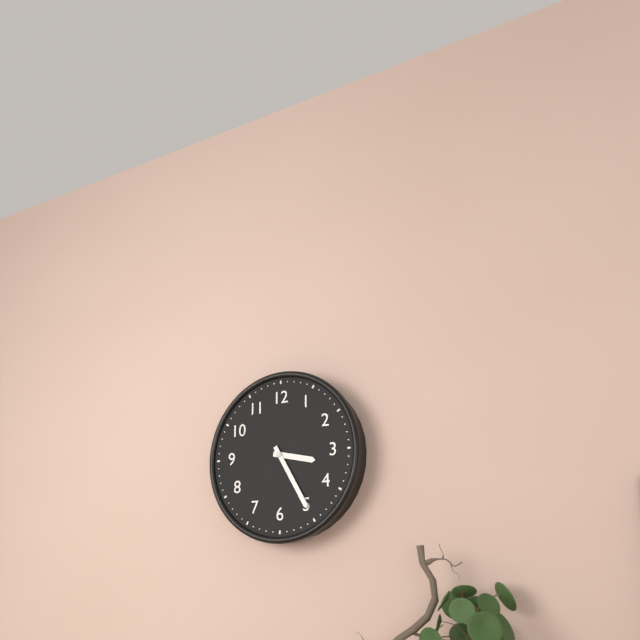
3h25
